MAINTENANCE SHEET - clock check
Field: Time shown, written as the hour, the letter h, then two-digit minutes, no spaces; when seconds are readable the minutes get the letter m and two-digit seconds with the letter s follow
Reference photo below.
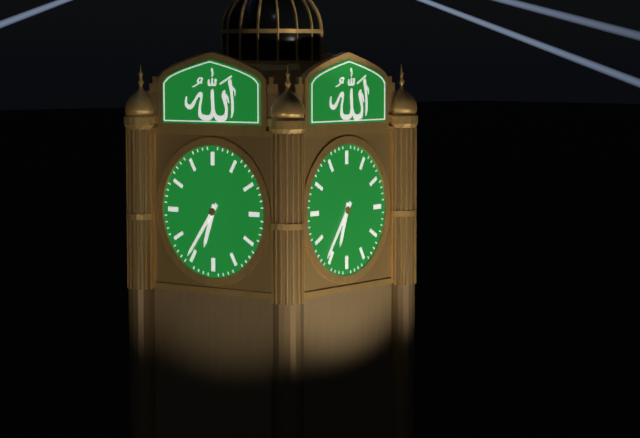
6h36
